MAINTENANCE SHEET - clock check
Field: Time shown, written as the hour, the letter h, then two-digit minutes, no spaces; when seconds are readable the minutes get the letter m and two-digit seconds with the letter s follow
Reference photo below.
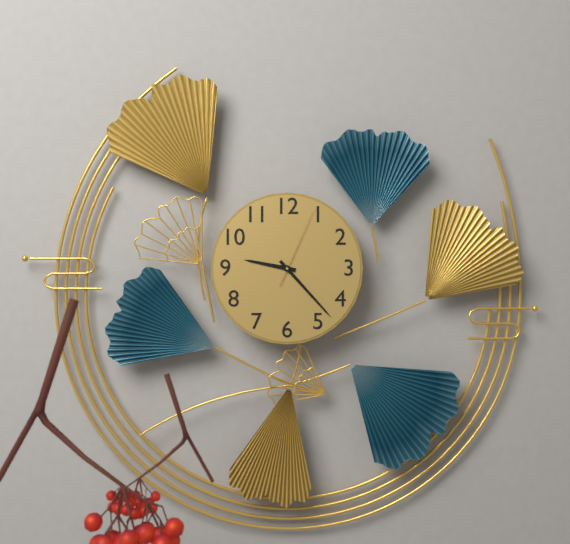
9h23m04s
